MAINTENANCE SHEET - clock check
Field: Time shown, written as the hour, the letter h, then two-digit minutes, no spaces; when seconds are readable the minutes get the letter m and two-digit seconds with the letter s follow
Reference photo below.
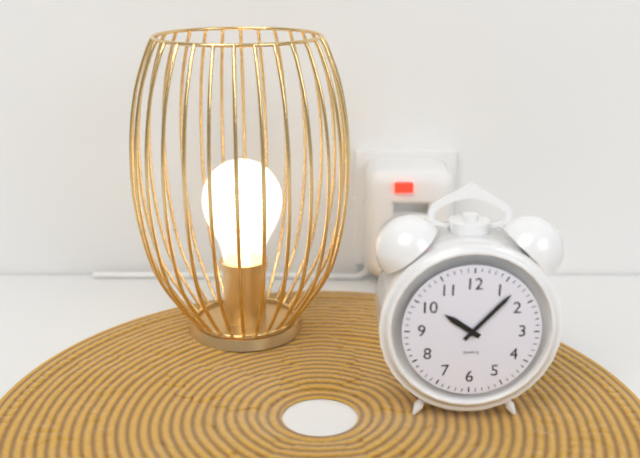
10h07
